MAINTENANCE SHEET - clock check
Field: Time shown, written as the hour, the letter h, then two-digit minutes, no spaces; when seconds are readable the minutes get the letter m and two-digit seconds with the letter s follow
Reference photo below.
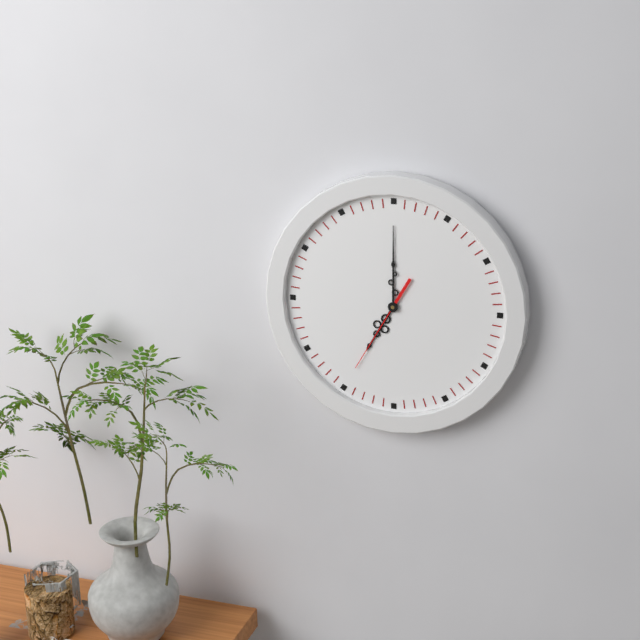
7h00m35s
